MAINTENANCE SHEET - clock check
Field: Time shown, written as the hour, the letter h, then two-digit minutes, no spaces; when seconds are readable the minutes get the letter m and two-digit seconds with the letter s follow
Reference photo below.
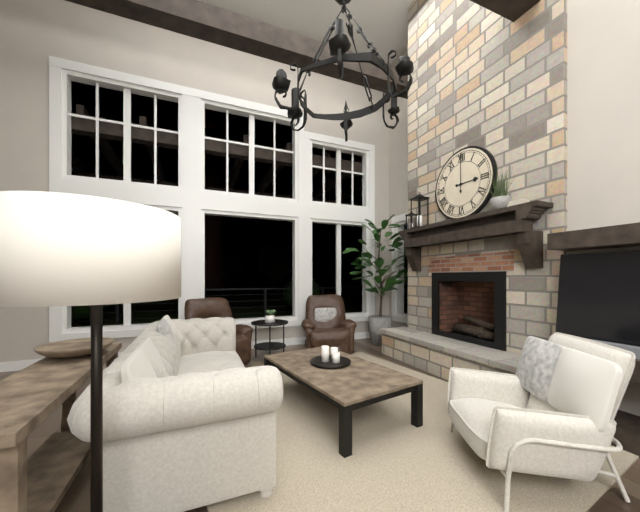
3h00
